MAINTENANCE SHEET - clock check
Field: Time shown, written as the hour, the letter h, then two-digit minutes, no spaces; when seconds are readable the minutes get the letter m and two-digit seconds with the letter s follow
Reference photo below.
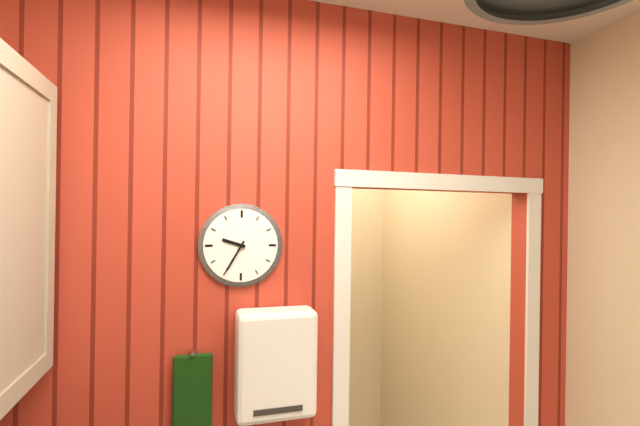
9h35
